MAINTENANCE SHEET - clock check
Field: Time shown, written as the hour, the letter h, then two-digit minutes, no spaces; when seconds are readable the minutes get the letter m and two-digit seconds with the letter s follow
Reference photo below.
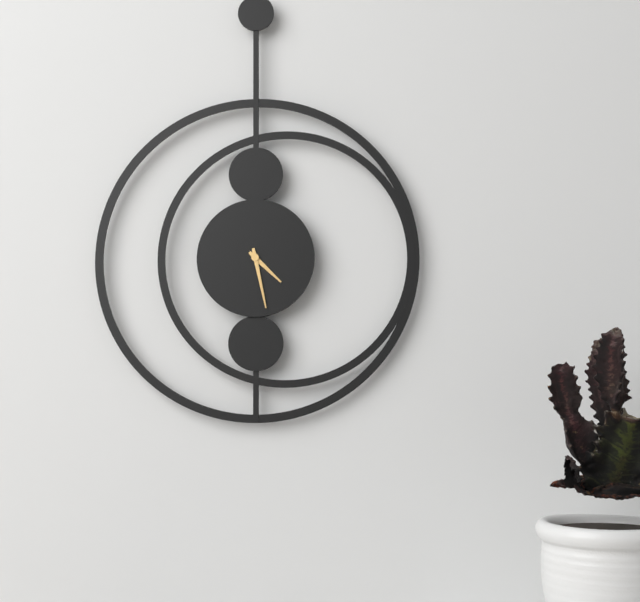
4h28
